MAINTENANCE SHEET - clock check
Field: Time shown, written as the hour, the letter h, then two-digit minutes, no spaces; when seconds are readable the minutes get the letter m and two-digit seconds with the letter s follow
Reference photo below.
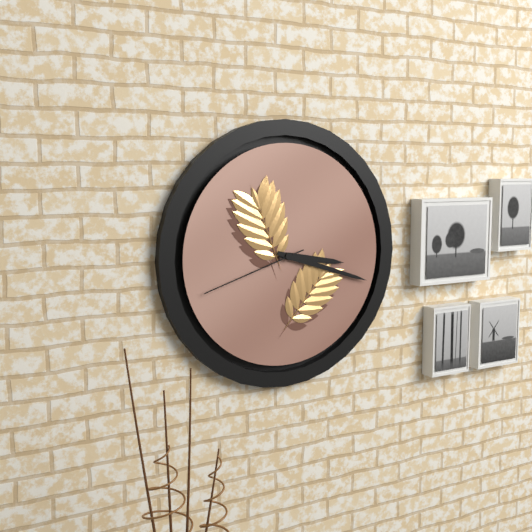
3h18m42s
